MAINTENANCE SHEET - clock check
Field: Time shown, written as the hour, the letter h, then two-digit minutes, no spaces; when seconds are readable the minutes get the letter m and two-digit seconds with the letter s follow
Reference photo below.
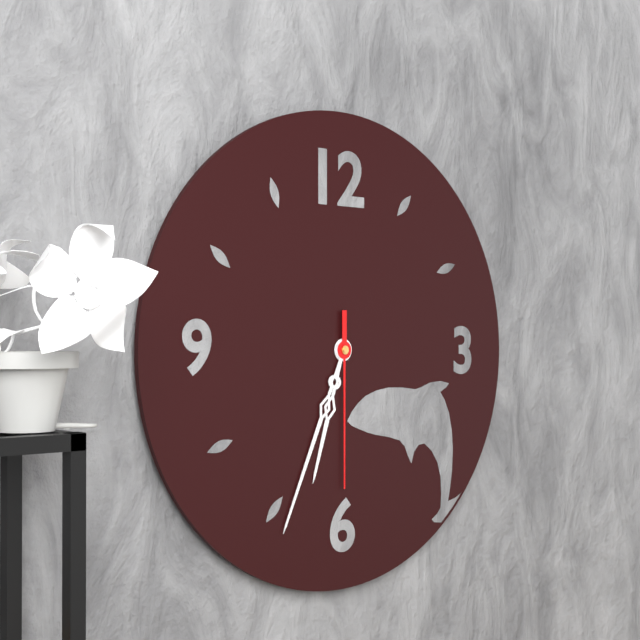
6h34m30s
